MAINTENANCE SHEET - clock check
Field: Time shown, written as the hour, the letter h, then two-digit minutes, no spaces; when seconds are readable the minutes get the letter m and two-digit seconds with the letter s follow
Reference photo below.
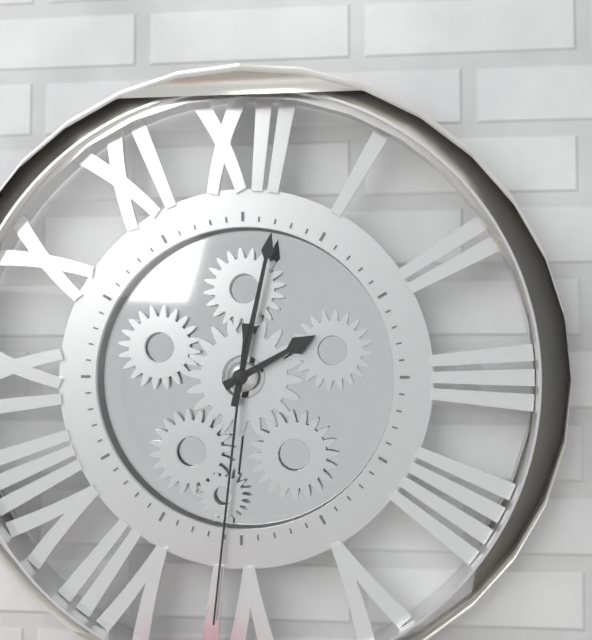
2h02m31s
